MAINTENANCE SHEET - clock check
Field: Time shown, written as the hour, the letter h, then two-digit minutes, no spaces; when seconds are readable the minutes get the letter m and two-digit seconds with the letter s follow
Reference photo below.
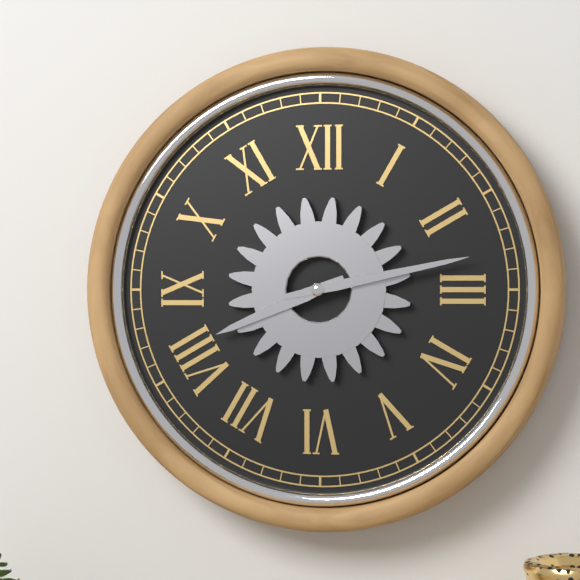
8h13
